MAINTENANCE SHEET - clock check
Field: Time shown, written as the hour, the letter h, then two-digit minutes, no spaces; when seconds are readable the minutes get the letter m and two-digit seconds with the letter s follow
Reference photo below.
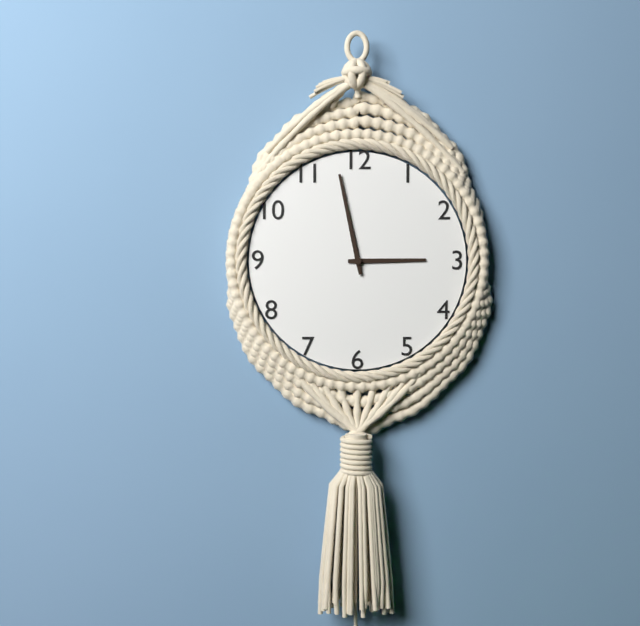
2h58
